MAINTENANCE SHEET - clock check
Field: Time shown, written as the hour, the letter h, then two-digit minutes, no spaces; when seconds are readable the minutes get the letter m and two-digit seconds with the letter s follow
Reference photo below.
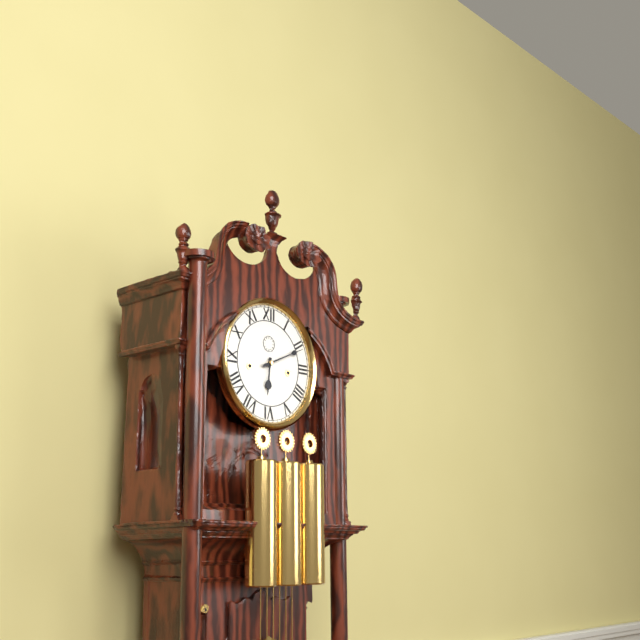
6h11
